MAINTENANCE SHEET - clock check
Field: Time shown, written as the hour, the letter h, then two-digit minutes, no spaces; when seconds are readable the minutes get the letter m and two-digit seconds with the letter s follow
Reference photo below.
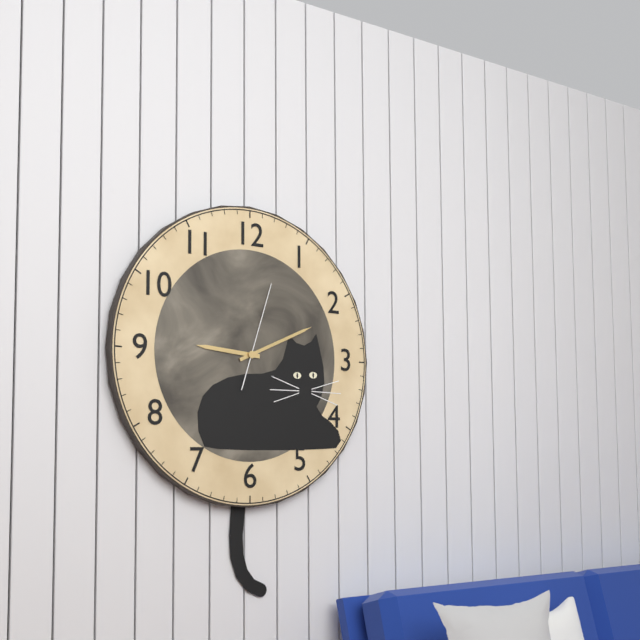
9h11m03s
